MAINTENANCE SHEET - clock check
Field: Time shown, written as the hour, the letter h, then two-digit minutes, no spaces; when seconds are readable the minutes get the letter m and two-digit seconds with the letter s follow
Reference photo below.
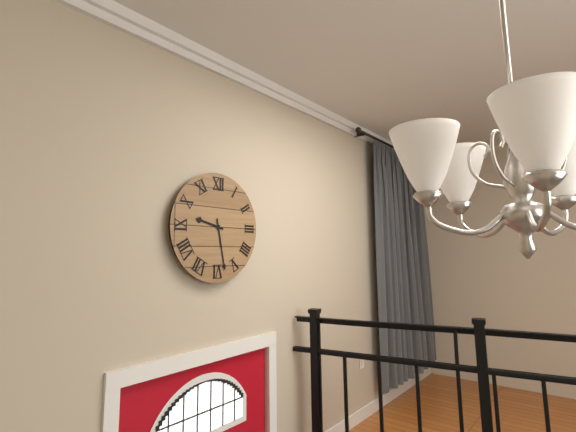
9h28
